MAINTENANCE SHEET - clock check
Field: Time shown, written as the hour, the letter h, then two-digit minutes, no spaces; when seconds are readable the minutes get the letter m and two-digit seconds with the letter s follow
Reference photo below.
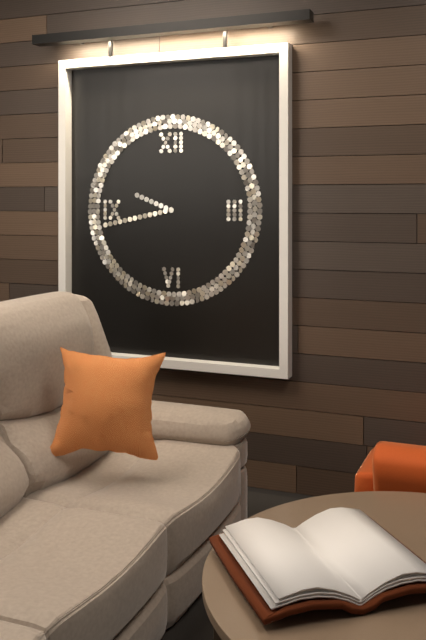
9h43
